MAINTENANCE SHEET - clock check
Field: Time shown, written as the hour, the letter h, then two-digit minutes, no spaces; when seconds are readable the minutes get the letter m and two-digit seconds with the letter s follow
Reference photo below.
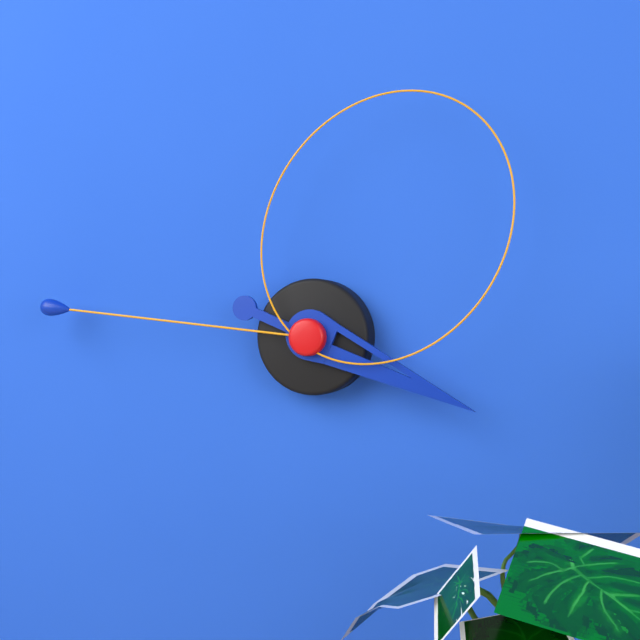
3h46m06s
